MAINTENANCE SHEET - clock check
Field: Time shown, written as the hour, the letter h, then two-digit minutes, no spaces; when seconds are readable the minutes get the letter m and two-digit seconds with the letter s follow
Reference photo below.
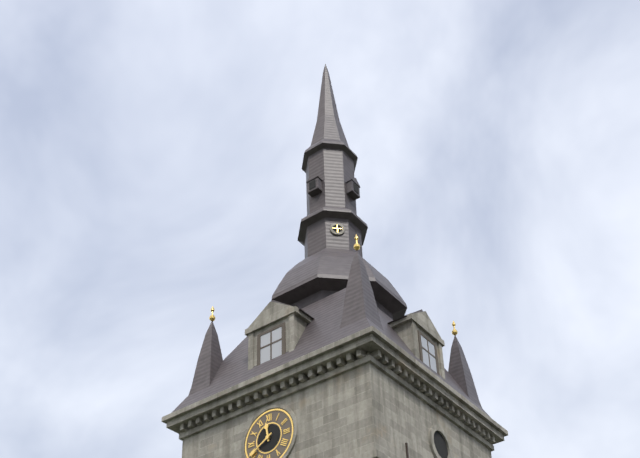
11h40
